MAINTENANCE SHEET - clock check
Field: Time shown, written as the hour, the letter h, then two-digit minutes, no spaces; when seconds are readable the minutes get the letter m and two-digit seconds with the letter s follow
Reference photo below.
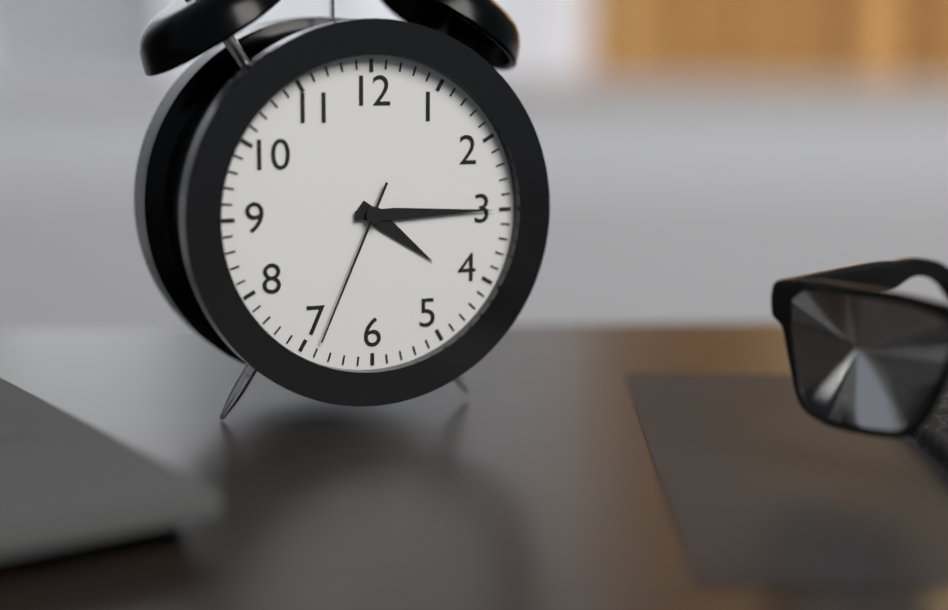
4h15m34s
